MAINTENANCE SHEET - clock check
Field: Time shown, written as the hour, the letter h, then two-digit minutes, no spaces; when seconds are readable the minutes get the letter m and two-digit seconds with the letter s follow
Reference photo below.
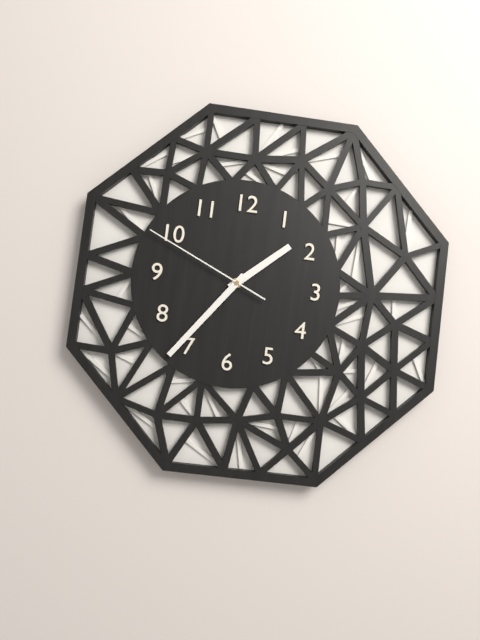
1h36m49s
